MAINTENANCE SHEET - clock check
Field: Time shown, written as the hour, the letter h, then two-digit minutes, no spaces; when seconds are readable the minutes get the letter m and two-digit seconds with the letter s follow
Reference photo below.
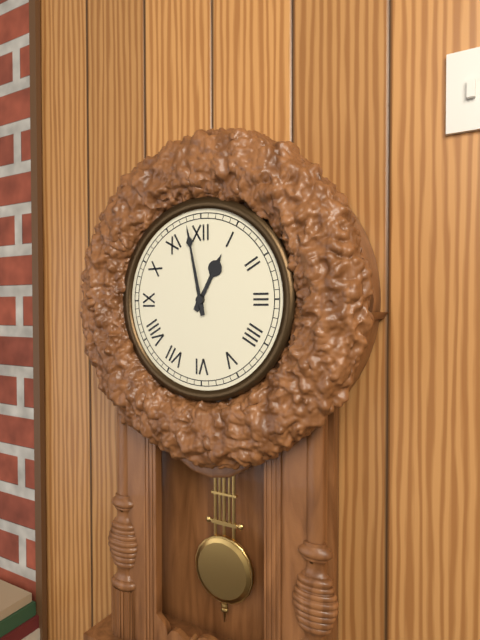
12h58
